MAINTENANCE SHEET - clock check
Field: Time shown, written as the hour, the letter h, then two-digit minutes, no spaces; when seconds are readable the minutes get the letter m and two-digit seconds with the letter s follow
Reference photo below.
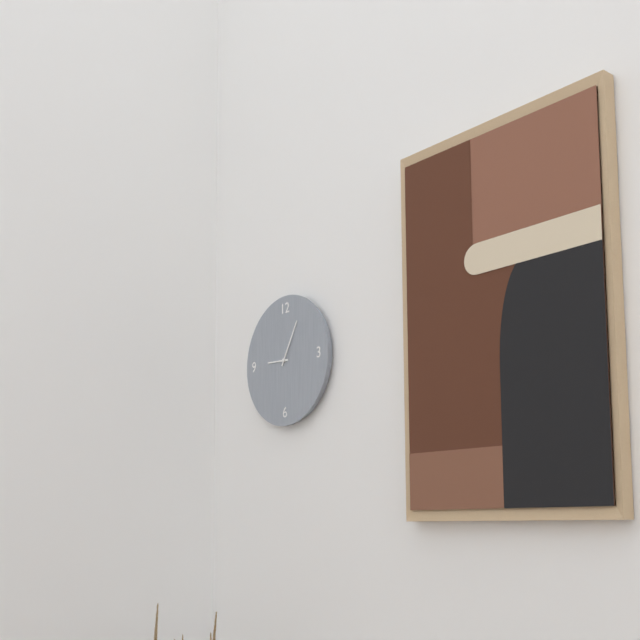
9h05
